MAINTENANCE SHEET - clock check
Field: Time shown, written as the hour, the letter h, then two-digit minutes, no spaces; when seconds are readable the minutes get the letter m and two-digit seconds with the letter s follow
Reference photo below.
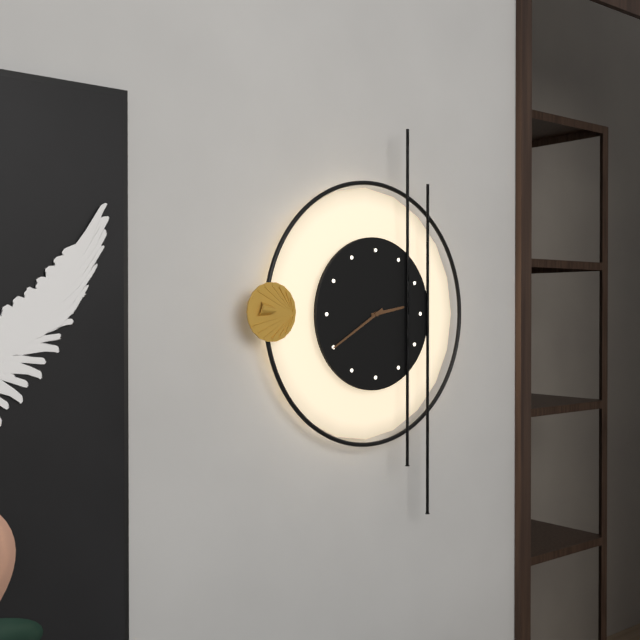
2h40
